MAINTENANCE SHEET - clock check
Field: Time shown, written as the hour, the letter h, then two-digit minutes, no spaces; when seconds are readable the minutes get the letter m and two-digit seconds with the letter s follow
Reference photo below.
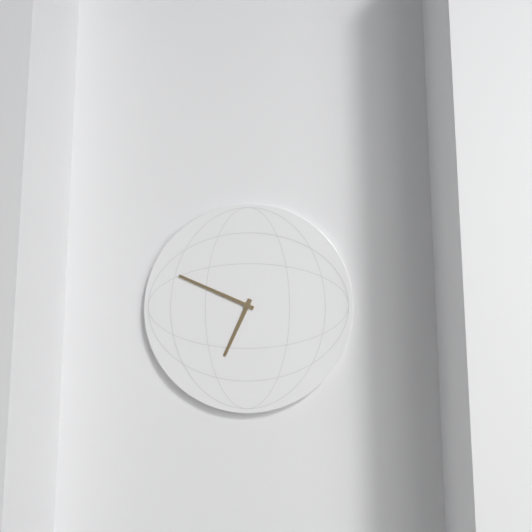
6h49
